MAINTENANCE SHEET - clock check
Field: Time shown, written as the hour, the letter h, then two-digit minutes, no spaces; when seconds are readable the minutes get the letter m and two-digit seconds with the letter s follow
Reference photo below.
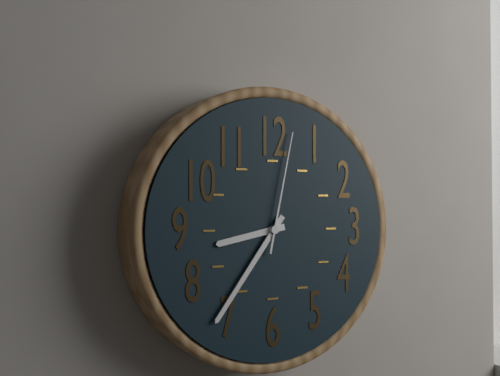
8h36m02s
